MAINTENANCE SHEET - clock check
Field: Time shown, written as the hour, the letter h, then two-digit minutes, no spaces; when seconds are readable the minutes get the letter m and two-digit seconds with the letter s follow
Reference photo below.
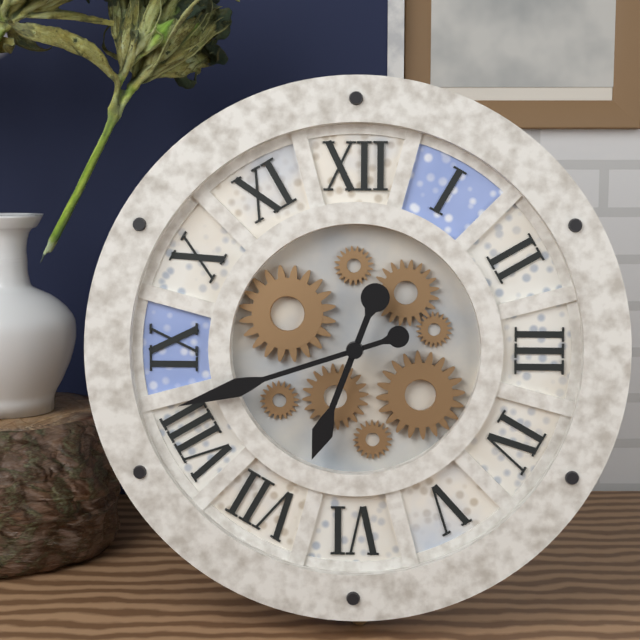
6h42
